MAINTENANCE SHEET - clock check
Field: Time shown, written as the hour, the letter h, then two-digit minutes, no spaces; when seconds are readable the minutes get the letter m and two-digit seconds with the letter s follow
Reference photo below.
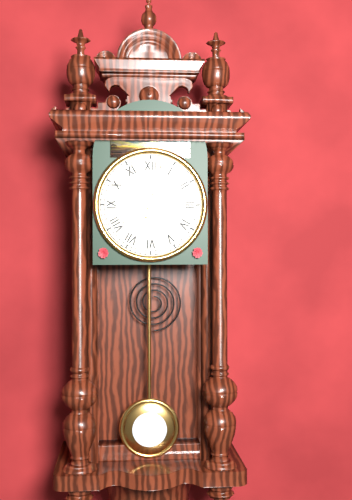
2h03
